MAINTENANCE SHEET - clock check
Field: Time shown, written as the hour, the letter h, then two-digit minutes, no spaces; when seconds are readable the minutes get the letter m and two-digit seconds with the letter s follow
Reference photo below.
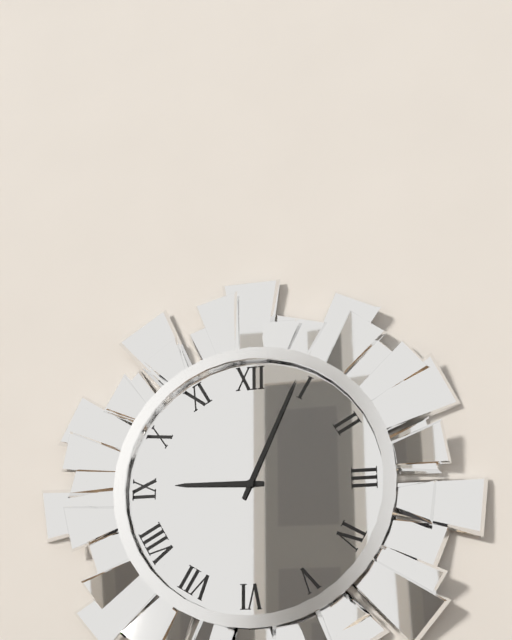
9h04
